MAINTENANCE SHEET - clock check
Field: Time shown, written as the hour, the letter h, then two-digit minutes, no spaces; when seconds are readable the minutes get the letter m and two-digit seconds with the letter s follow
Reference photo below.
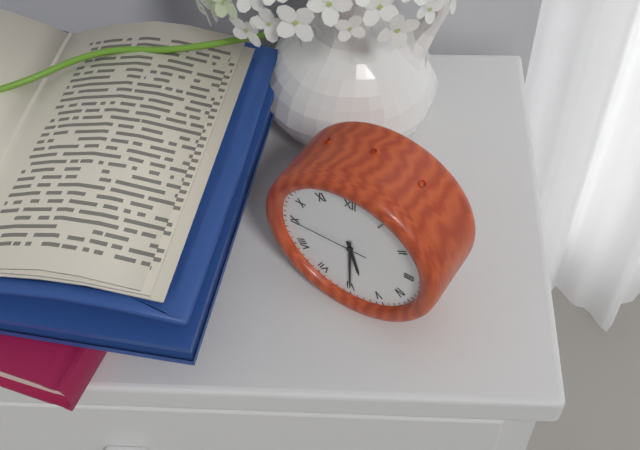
5h30m45s
